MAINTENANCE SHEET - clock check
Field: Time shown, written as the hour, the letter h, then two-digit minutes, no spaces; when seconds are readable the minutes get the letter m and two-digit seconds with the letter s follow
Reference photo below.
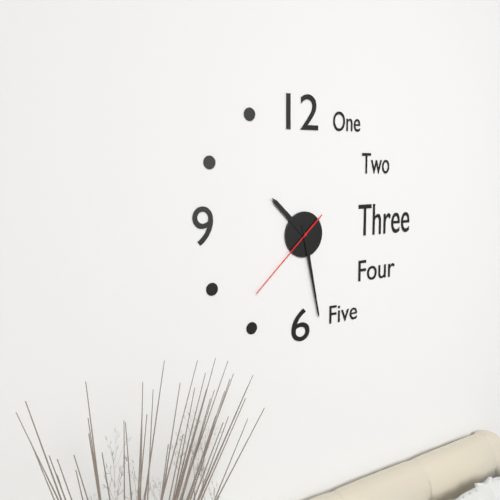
10h28m38s
